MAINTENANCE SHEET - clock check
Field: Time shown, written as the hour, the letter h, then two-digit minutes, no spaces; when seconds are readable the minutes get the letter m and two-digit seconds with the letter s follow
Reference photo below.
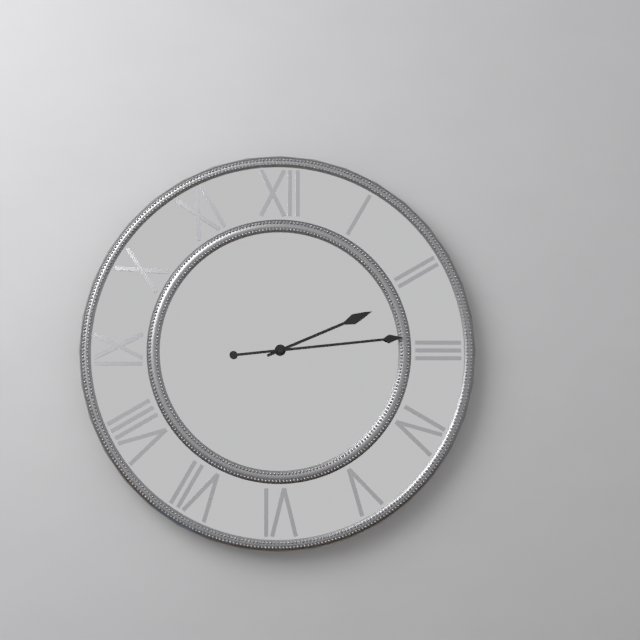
2h14
